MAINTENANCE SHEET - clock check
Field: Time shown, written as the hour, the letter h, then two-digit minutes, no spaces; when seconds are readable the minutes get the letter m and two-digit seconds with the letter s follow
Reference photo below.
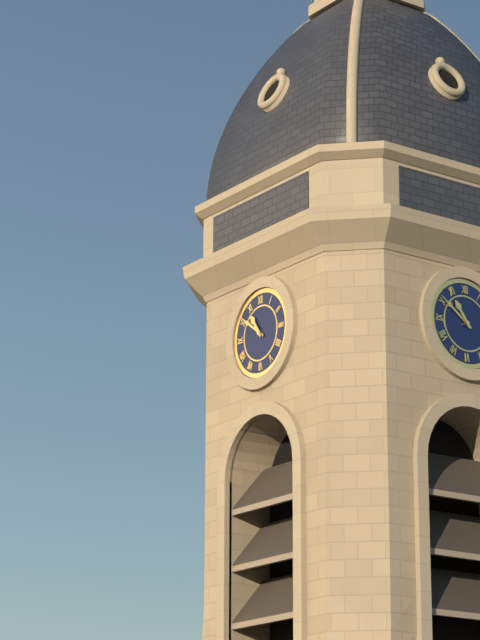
10h51
